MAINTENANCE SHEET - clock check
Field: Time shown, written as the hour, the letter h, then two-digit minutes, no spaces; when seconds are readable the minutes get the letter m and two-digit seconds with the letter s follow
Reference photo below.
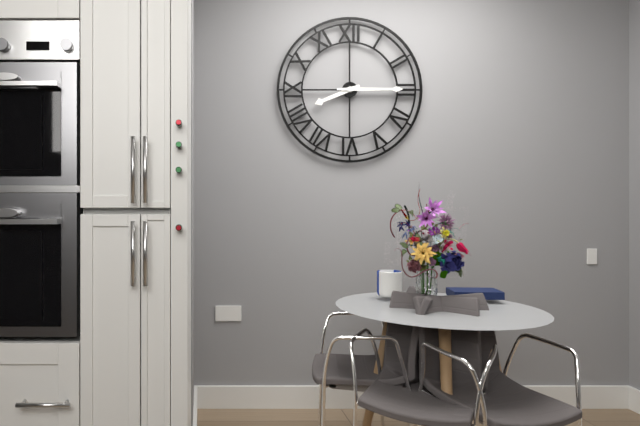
8h15
